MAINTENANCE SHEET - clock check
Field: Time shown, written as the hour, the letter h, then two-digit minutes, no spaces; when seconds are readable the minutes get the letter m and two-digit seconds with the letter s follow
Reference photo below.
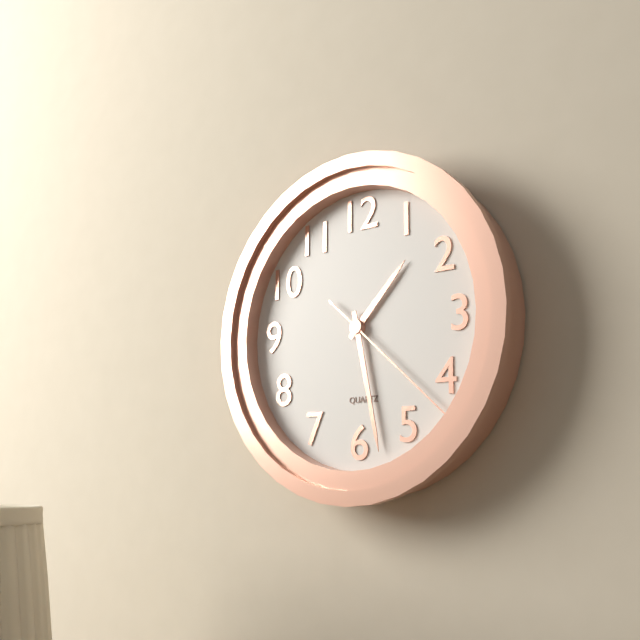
1h28m22s
